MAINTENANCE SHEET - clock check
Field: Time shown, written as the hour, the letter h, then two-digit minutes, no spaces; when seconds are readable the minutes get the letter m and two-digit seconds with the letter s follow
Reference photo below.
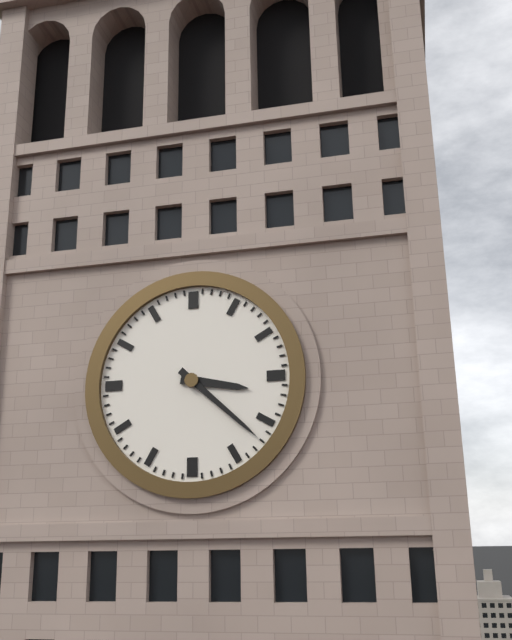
3h22
